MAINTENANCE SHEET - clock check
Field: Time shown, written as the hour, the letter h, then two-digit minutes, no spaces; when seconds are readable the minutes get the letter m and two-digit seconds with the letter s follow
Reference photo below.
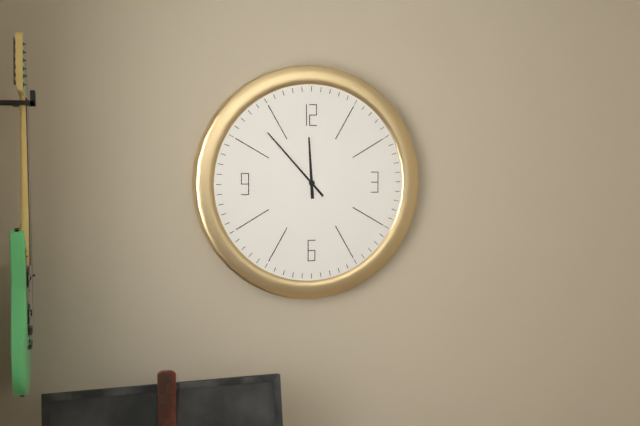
11h53
